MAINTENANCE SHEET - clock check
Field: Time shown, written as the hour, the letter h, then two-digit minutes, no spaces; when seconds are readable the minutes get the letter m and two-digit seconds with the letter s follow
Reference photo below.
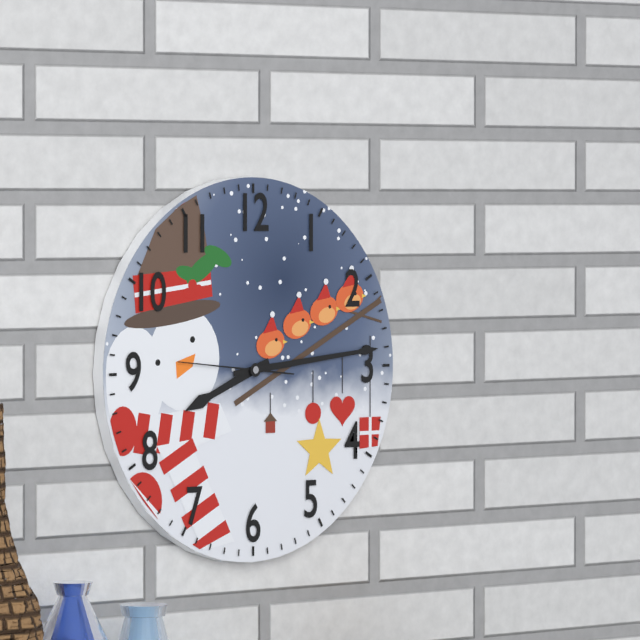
8h14m46s
